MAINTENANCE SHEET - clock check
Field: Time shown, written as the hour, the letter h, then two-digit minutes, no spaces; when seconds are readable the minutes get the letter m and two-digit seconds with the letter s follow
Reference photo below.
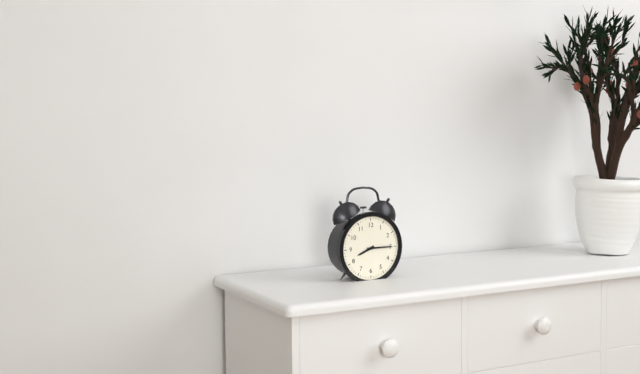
8h15
